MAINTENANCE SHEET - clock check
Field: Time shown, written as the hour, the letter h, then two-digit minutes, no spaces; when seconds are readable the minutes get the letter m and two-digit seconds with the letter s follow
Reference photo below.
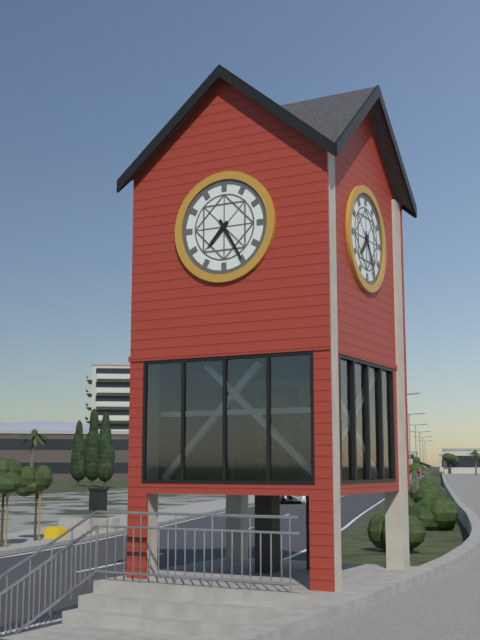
7h25
